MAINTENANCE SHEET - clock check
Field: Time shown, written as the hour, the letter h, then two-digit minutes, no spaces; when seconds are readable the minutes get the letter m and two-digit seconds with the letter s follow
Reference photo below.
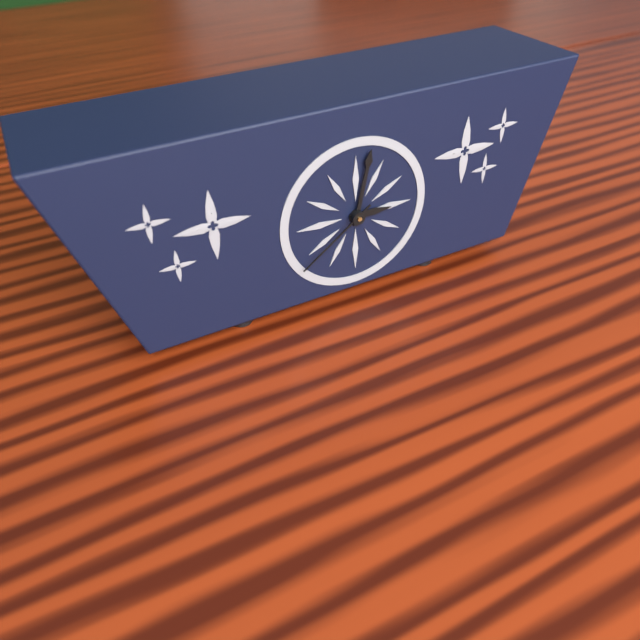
3h02m39s
